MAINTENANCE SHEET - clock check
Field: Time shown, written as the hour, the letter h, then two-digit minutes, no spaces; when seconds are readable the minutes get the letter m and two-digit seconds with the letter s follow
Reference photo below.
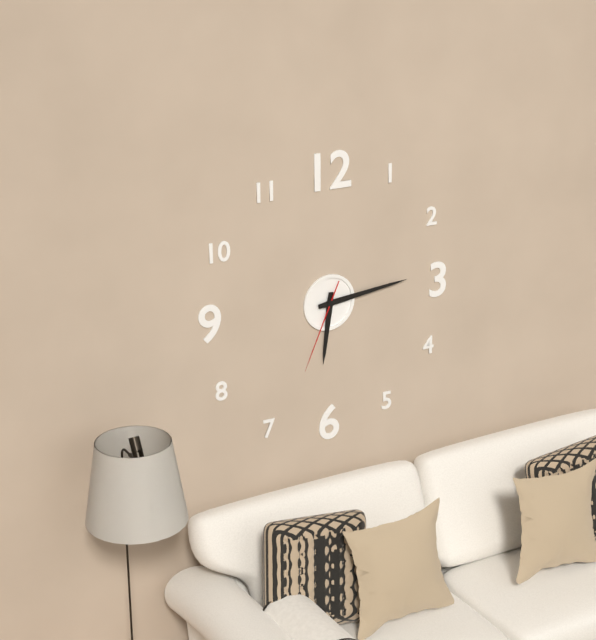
6h14m34s
